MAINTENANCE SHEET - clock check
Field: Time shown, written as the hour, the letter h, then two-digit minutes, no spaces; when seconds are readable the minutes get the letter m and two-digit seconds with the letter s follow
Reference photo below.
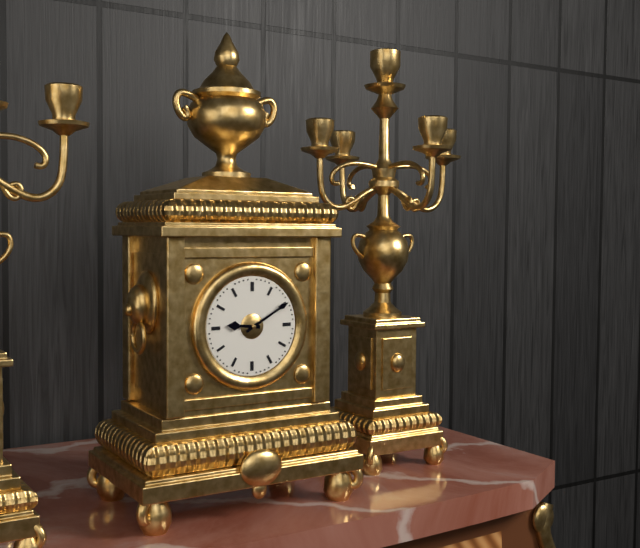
9h10
